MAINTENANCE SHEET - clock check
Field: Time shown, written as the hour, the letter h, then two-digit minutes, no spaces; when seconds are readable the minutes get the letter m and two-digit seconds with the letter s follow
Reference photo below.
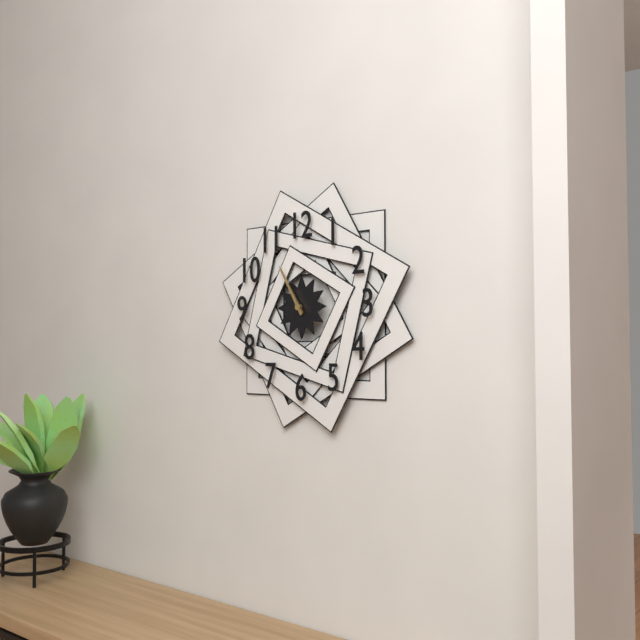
10h55
